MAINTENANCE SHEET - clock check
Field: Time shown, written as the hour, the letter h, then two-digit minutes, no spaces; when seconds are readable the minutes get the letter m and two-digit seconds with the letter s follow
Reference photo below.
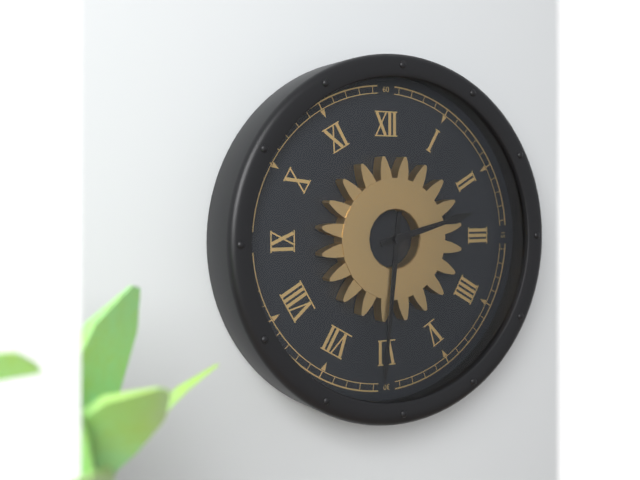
2h31
